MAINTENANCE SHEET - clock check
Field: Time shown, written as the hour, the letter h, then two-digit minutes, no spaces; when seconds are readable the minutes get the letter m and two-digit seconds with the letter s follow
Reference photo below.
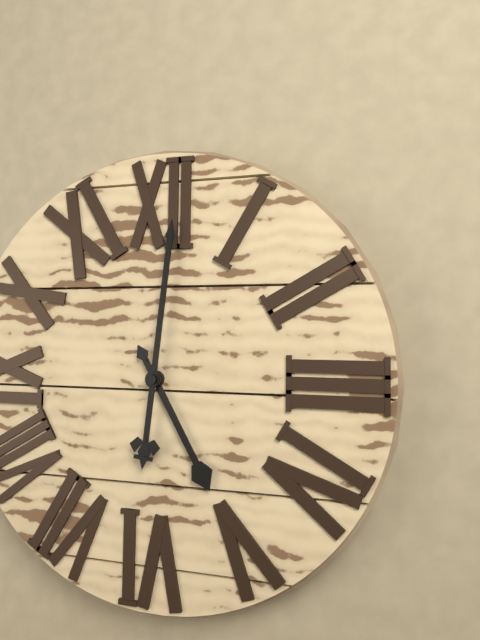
5h01
